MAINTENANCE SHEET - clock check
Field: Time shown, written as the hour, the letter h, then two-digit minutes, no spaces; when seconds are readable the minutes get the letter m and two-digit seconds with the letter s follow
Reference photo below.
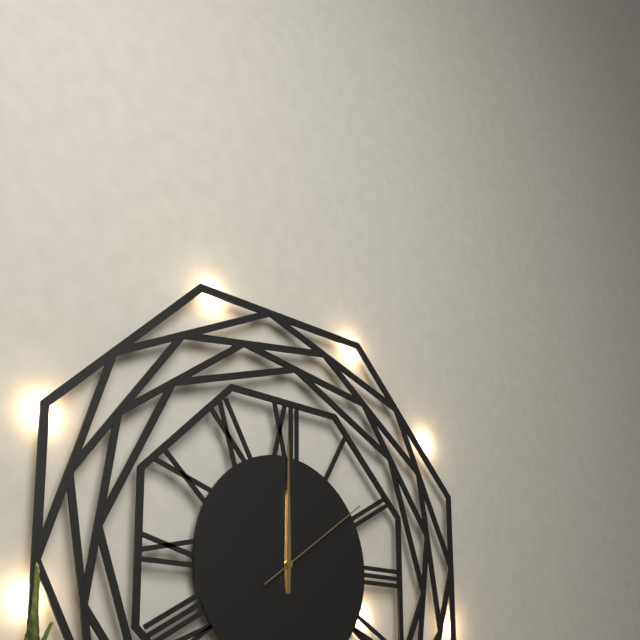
12h00m09s
